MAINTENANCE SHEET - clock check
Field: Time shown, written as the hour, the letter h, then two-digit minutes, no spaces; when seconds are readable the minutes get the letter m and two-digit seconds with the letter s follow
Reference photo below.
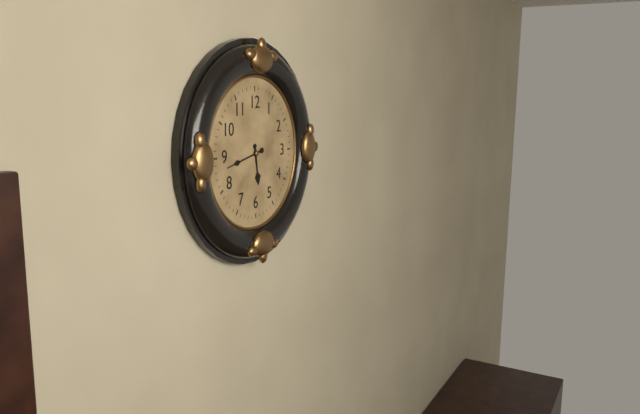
5h43
